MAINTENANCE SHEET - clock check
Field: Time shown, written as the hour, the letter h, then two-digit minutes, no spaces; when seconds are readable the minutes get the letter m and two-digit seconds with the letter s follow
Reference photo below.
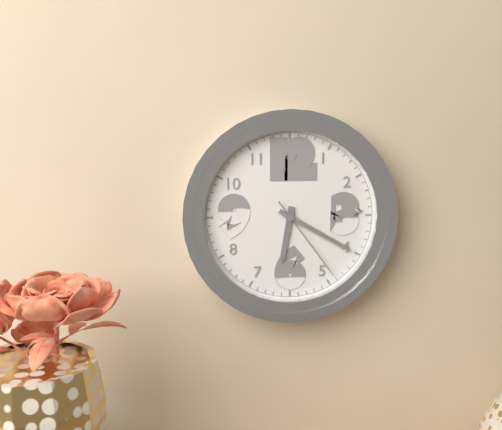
6h20m24s
